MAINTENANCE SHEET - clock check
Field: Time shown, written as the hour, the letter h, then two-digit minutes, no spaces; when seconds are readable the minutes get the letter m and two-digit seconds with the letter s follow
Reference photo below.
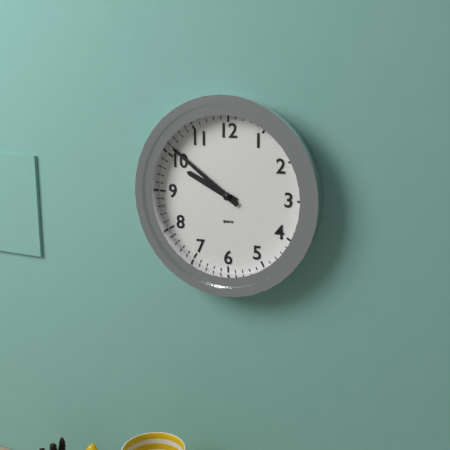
9h51
